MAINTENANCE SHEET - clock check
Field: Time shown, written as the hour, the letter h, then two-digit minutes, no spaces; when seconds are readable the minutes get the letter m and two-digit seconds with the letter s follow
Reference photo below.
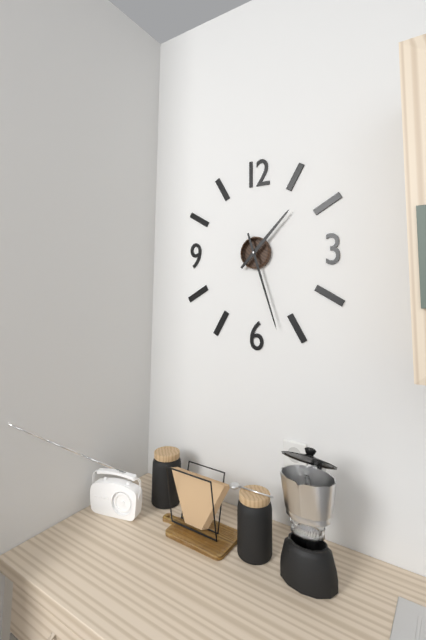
1h27
